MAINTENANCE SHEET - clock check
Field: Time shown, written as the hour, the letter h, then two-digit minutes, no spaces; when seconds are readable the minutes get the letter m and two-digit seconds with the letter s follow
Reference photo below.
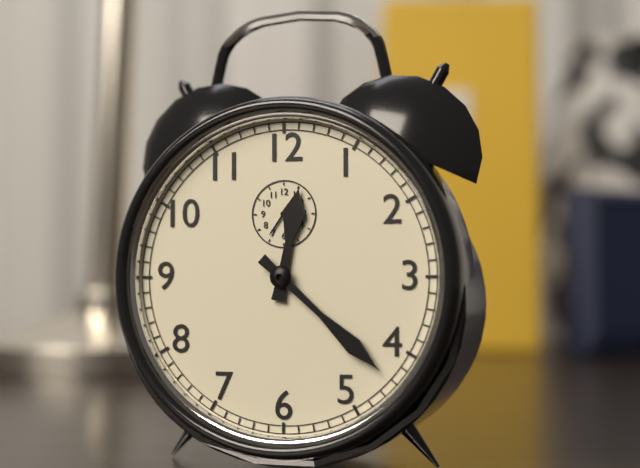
12h22
